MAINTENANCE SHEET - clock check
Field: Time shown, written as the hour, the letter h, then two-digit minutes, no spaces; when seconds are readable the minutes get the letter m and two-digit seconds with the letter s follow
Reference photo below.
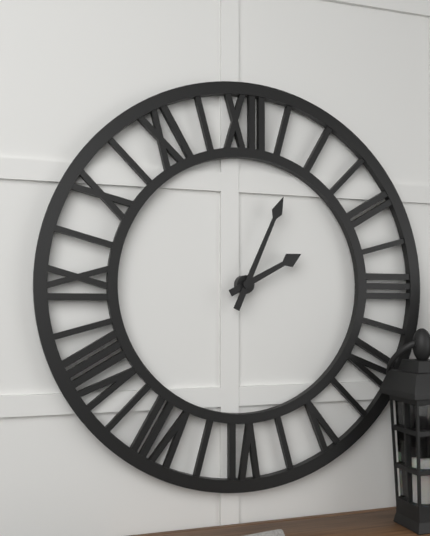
2h04
